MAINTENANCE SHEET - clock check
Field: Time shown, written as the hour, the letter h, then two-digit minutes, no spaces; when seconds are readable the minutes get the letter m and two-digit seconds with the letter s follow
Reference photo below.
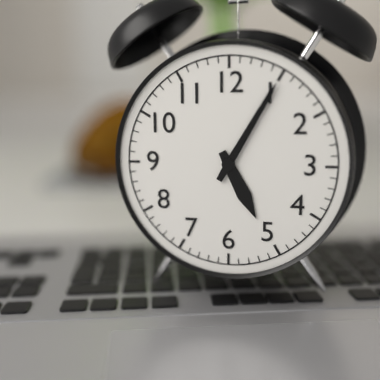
5h05
